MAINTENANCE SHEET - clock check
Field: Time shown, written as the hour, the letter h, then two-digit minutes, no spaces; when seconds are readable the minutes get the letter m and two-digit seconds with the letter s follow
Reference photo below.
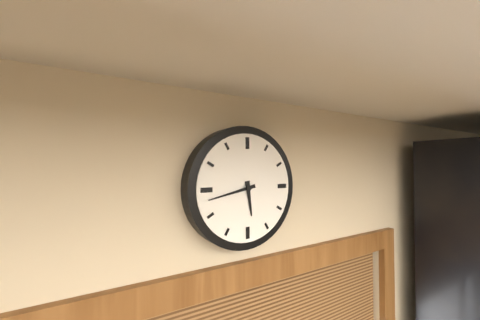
5h43
